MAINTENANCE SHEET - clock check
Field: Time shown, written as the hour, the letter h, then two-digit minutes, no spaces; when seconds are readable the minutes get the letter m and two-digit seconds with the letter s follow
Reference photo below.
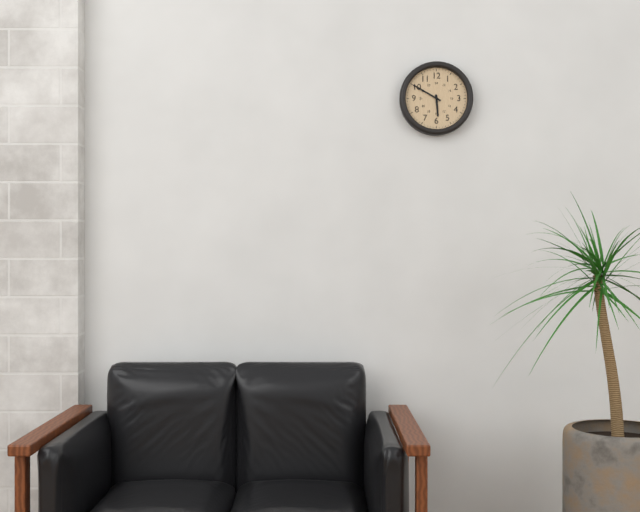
5h50
